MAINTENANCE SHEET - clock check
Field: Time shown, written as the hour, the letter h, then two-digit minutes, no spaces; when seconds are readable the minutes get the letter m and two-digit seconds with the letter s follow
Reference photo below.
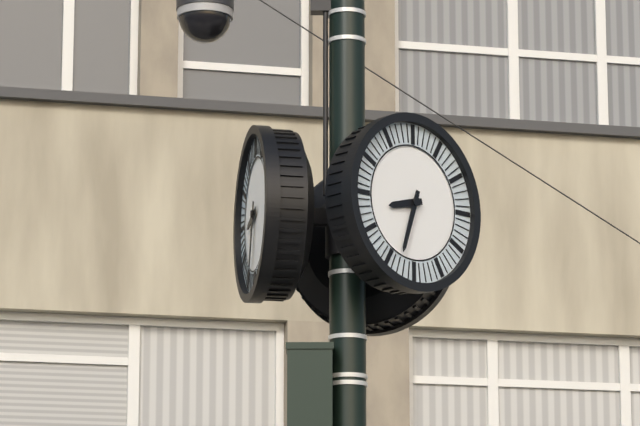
8h33
